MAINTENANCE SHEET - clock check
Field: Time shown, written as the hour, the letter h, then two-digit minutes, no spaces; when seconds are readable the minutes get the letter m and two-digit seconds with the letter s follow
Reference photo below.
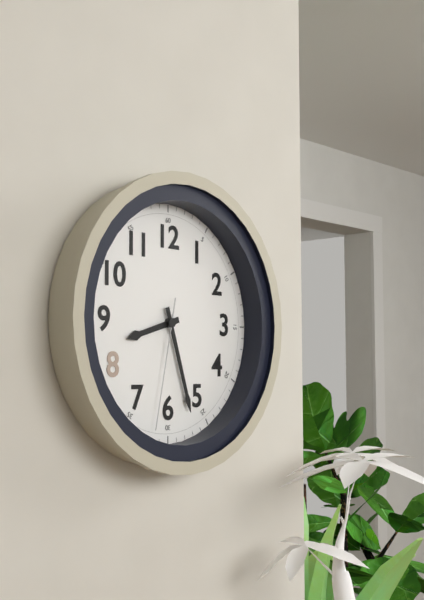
8h27m32s
